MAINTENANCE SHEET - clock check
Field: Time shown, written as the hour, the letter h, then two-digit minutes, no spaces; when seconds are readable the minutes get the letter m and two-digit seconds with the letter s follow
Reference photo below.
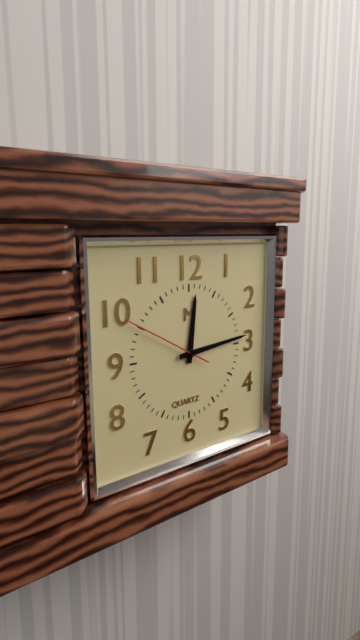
12h14m50s
